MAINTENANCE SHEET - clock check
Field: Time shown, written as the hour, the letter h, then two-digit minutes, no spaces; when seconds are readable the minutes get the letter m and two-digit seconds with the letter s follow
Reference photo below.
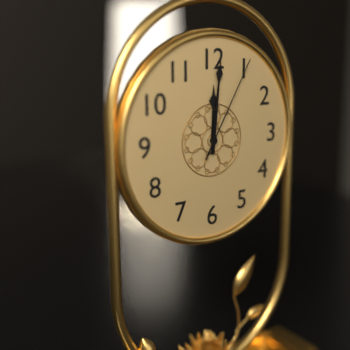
12h01m05s
